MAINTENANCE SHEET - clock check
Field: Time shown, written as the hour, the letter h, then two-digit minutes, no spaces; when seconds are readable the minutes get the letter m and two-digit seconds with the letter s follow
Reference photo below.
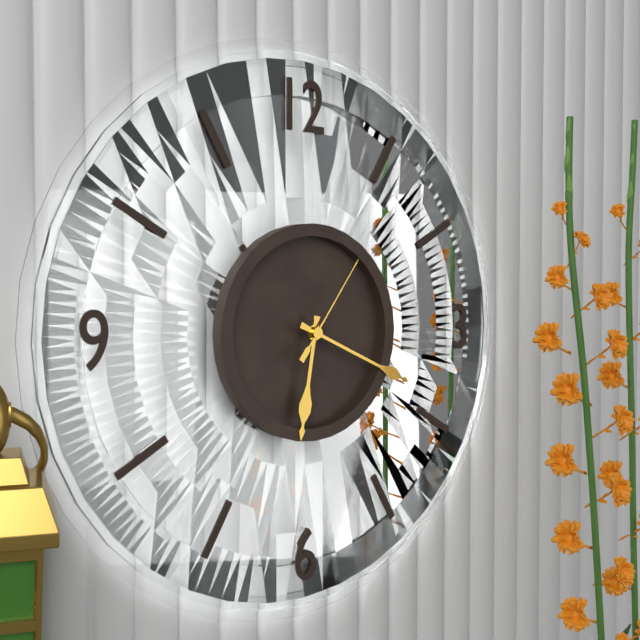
6h19m06s
